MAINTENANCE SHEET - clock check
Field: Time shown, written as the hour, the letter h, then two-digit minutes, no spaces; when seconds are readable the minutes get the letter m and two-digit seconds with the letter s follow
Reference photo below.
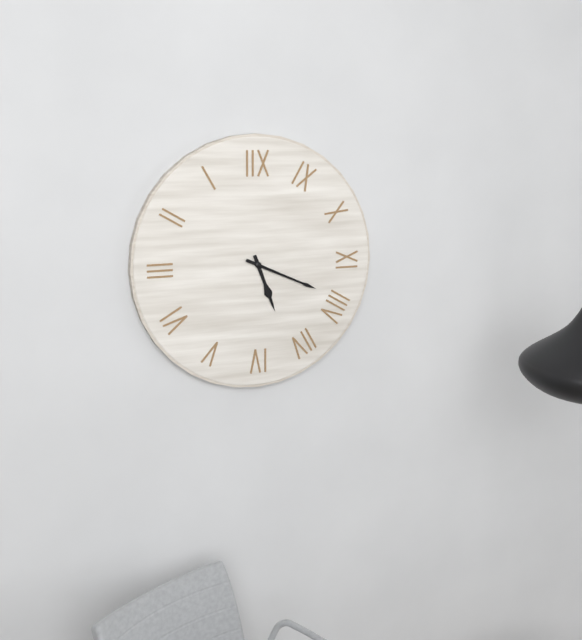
5h19
